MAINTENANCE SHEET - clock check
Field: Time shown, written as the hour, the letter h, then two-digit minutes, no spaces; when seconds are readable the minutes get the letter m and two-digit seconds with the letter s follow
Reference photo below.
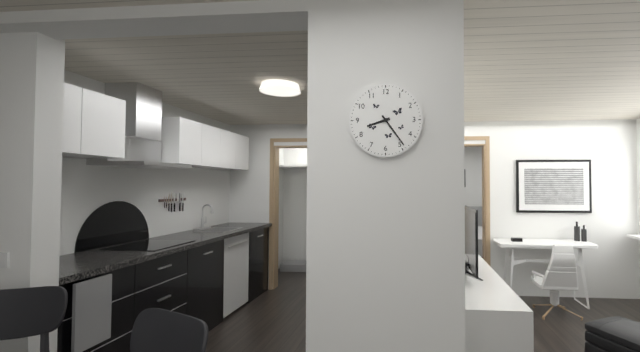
8h24
